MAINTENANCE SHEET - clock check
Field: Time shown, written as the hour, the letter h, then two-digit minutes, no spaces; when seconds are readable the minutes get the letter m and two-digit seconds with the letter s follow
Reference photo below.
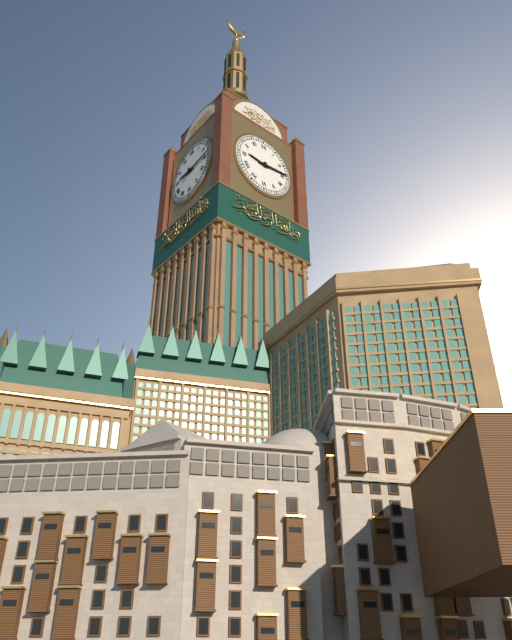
9h14
